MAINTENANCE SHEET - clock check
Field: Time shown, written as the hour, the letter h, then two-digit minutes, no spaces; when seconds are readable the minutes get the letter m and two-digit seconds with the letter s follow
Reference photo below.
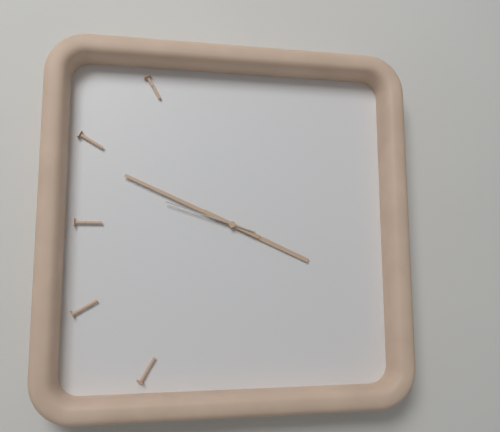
3h49m48s
